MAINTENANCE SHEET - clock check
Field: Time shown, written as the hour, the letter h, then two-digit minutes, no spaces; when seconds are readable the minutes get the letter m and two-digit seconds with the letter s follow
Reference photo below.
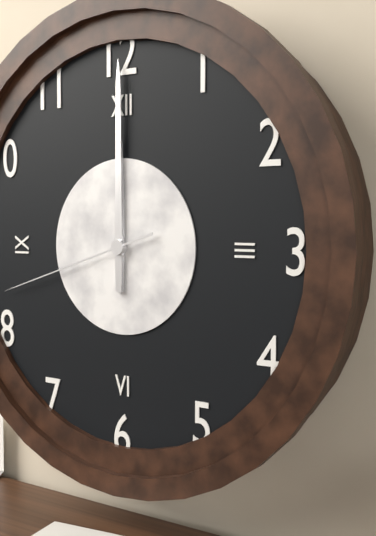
12h00m42s
